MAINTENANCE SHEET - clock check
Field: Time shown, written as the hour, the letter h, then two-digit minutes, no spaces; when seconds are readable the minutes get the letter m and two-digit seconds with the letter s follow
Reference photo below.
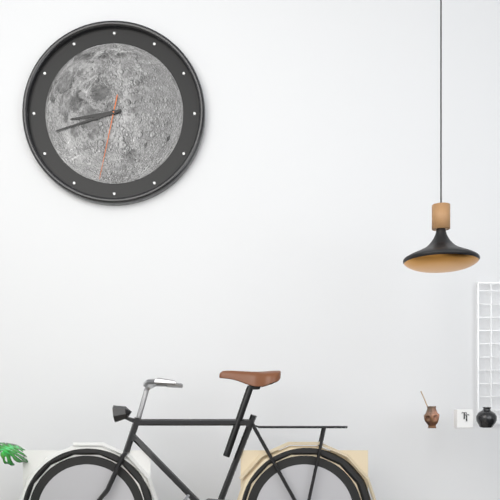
8h42m32s
